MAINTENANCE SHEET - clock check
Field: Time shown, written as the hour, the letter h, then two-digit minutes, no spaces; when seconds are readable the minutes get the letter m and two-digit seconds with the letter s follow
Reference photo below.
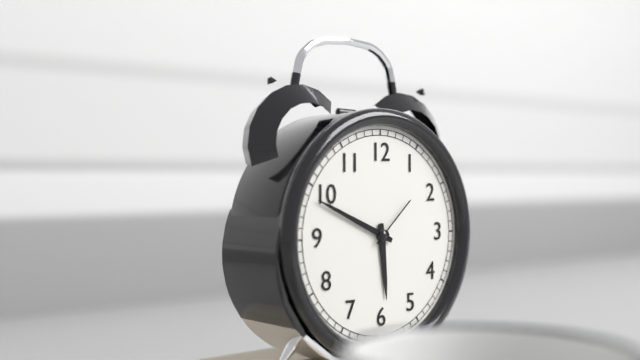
5h49m08s
